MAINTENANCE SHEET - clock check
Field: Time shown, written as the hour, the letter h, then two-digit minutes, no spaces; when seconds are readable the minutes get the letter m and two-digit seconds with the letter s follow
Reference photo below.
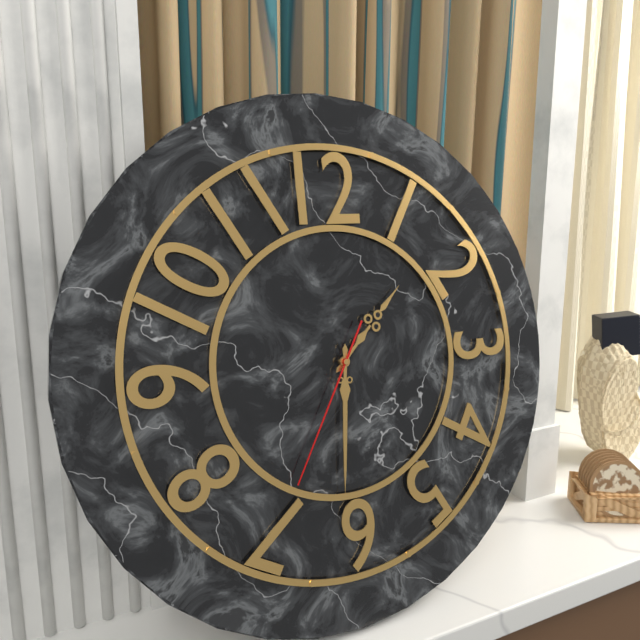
1h31m35s
